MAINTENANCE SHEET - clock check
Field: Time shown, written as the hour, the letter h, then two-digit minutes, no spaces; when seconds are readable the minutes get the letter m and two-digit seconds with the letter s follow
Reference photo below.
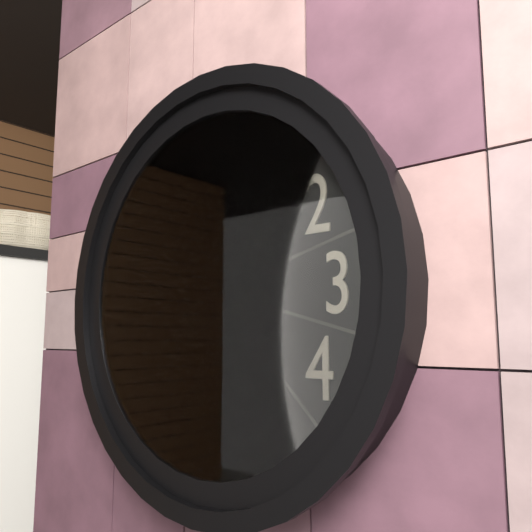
6h35
